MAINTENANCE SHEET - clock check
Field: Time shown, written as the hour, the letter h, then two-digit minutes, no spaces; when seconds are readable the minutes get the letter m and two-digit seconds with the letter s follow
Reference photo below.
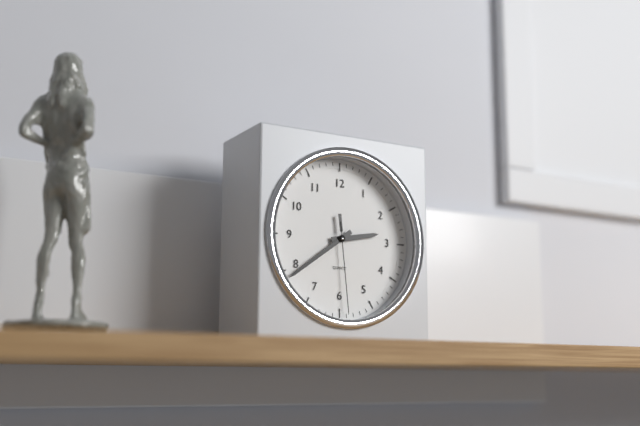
2h39m29s
